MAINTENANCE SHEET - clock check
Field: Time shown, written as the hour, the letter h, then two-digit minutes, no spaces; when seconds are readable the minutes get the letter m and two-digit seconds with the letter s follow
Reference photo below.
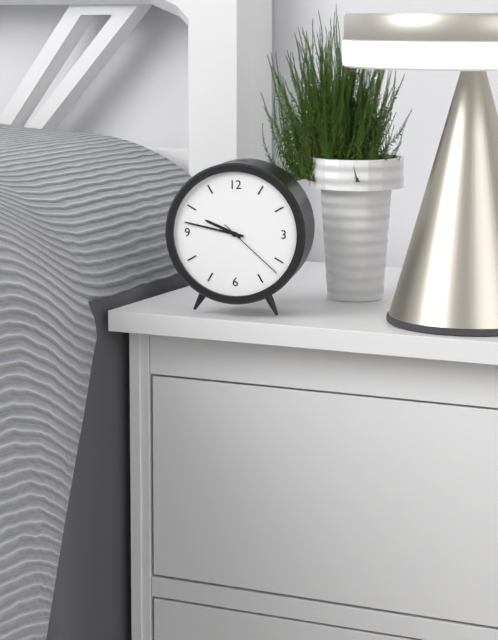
9h47m22s
